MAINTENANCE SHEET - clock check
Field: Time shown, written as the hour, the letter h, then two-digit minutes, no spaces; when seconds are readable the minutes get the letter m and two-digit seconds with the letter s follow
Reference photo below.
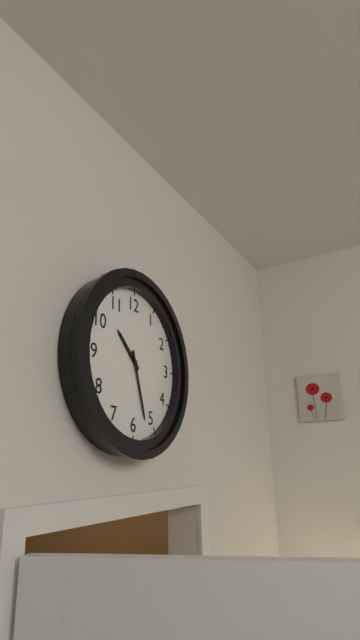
10h27
